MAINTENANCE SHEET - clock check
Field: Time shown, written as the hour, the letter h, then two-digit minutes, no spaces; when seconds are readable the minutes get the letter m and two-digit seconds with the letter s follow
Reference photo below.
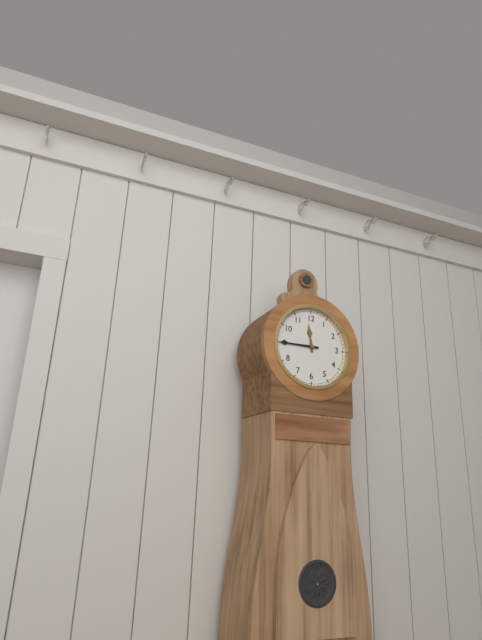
11h45
